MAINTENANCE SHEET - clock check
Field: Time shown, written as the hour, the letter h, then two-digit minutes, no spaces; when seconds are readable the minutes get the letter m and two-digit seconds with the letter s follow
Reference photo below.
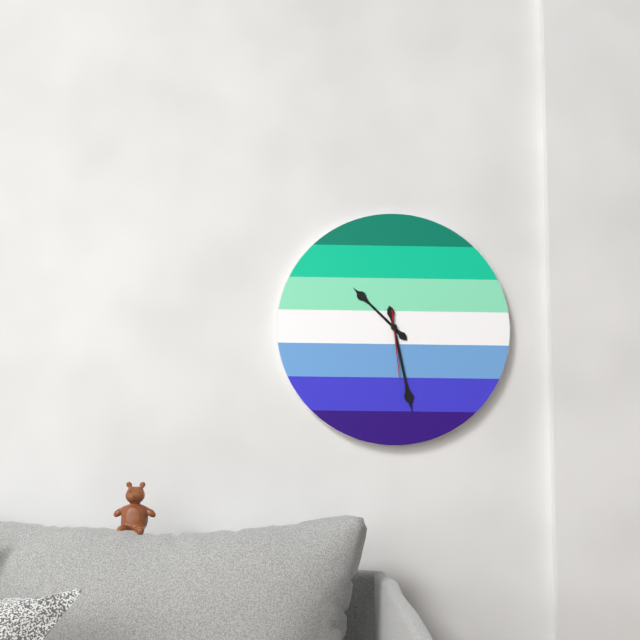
10h28m29s
